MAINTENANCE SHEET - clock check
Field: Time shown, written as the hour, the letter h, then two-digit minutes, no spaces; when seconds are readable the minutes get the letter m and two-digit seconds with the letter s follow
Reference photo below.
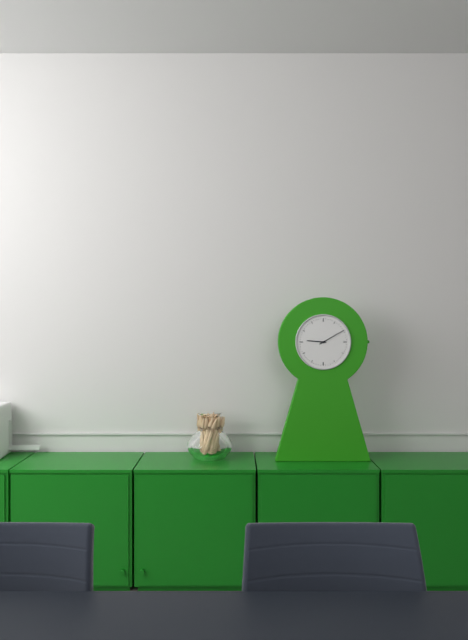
9h10
